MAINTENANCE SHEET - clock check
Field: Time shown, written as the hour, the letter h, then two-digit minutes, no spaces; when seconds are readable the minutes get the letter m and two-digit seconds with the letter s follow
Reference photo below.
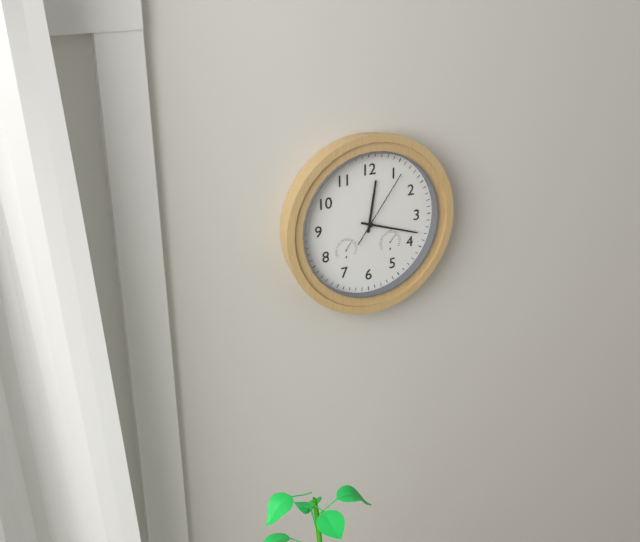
12h18m06s
